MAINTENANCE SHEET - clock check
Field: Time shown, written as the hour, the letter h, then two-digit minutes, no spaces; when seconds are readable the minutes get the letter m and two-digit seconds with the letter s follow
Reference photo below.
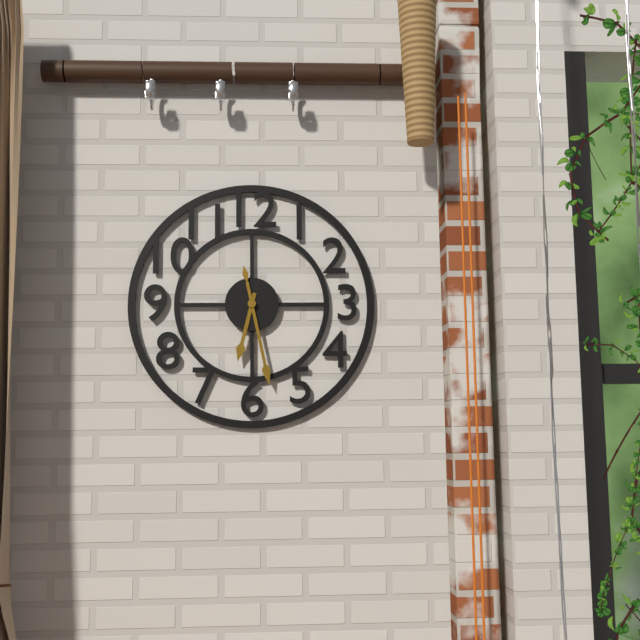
6h28
